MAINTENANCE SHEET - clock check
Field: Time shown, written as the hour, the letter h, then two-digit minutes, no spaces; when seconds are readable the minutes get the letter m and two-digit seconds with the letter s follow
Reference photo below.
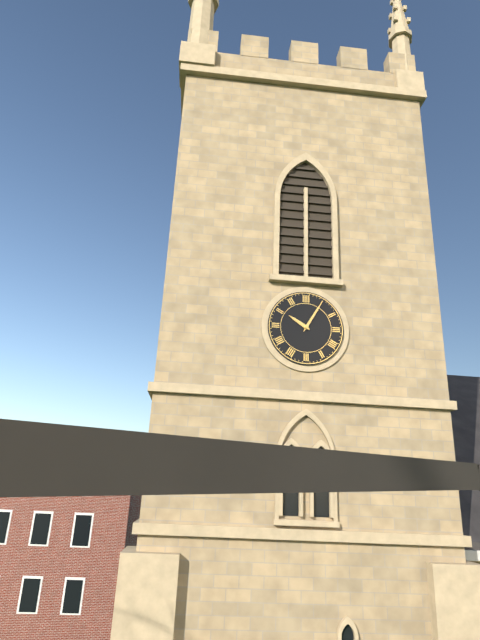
10h05
